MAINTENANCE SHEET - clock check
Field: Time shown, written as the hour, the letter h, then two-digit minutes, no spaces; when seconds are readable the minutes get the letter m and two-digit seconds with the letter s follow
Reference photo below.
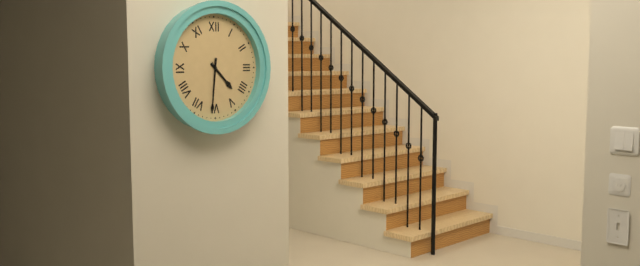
4h31
